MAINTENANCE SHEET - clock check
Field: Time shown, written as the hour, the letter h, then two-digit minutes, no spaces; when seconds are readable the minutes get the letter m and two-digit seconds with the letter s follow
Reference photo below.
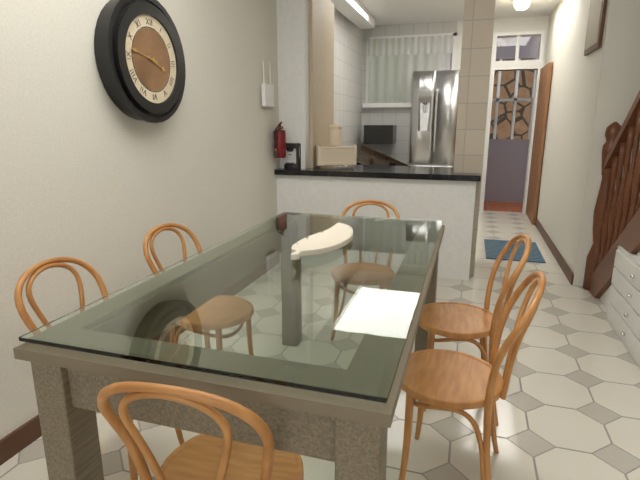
3h47
